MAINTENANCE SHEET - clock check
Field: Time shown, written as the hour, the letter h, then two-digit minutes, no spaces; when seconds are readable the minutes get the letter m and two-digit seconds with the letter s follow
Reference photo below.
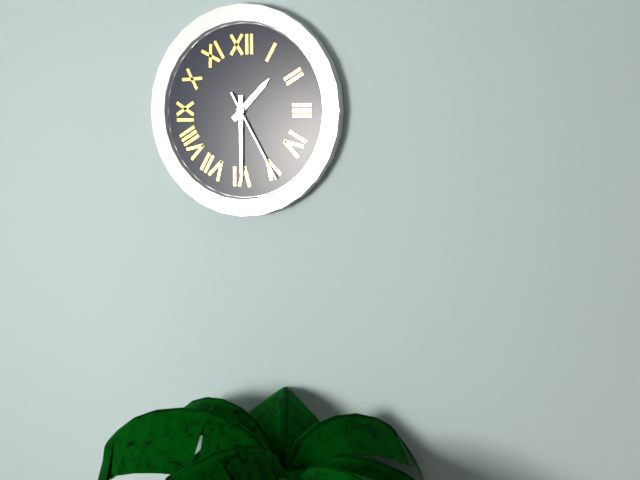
1h30m25s
